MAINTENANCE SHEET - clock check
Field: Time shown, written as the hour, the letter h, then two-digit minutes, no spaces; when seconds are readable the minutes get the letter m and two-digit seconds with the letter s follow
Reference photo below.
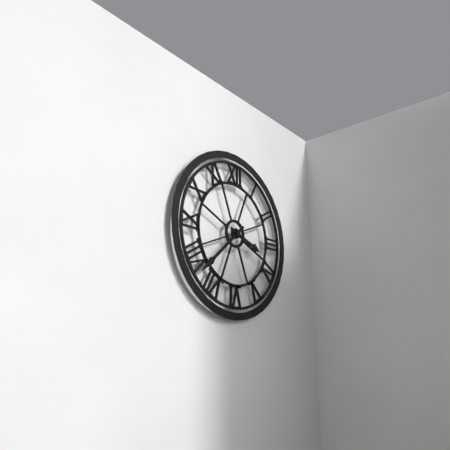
3h38
